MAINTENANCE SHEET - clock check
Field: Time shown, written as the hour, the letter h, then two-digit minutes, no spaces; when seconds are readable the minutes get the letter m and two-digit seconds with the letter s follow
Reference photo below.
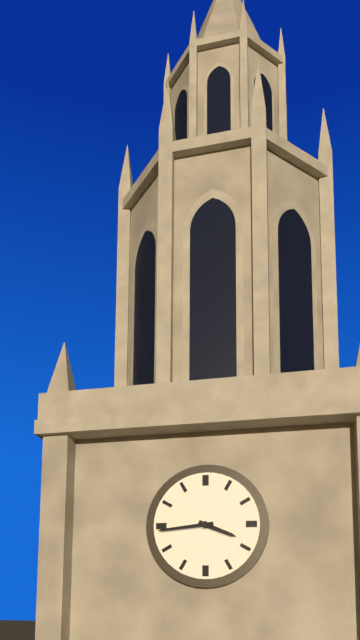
3h44
